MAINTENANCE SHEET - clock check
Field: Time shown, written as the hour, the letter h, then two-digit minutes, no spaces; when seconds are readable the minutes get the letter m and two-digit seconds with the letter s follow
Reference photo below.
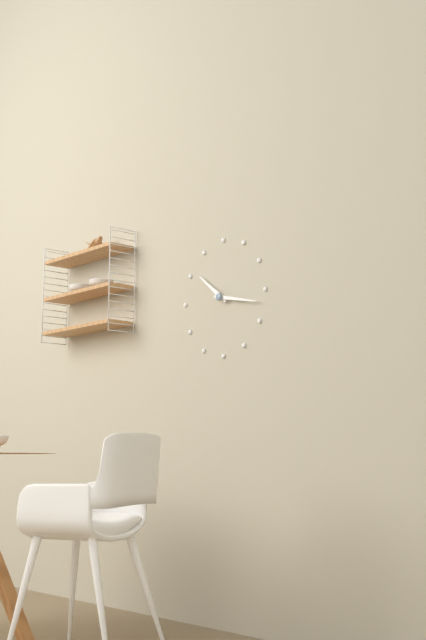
10h17
